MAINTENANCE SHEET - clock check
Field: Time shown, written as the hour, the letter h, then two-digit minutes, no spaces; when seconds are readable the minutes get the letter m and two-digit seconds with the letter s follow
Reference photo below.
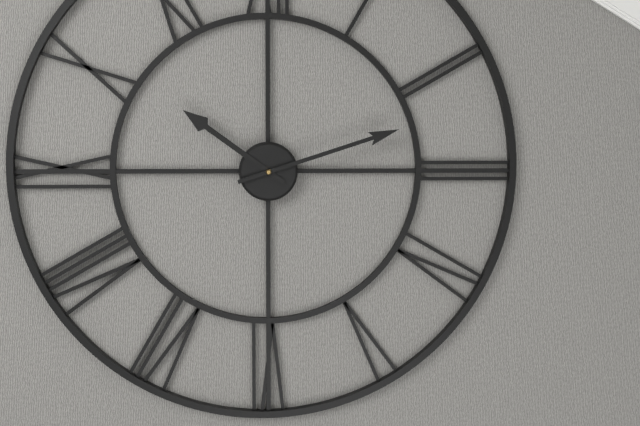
10h12
